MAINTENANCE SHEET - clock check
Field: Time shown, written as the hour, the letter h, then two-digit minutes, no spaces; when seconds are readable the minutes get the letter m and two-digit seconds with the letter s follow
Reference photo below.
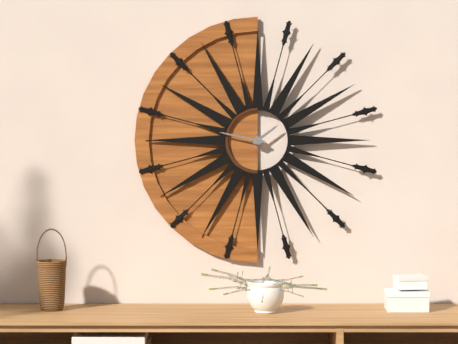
1h47
